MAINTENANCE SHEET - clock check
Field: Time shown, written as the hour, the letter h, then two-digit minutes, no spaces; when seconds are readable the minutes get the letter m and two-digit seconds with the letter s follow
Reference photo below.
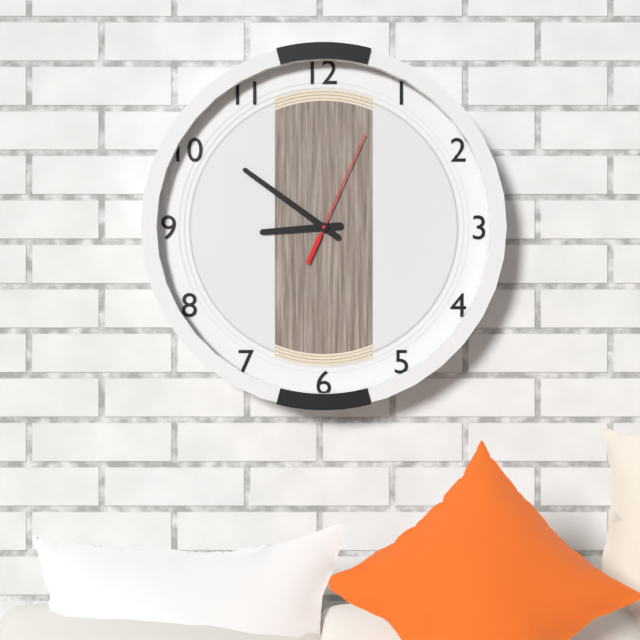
8h51m04s
